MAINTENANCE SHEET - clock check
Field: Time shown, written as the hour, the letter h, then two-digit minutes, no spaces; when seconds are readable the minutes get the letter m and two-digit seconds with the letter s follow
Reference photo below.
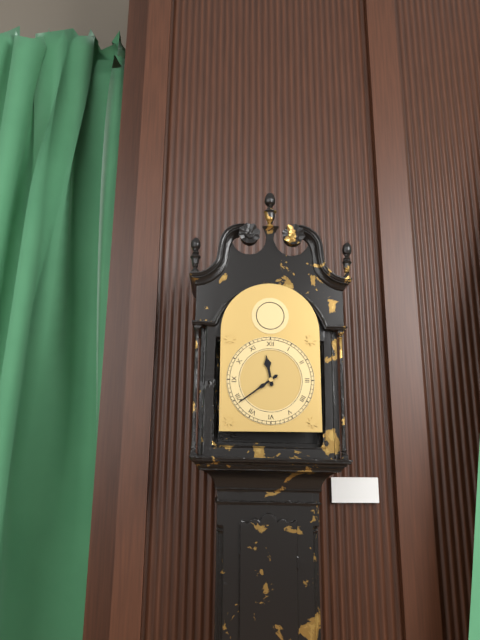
11h39
